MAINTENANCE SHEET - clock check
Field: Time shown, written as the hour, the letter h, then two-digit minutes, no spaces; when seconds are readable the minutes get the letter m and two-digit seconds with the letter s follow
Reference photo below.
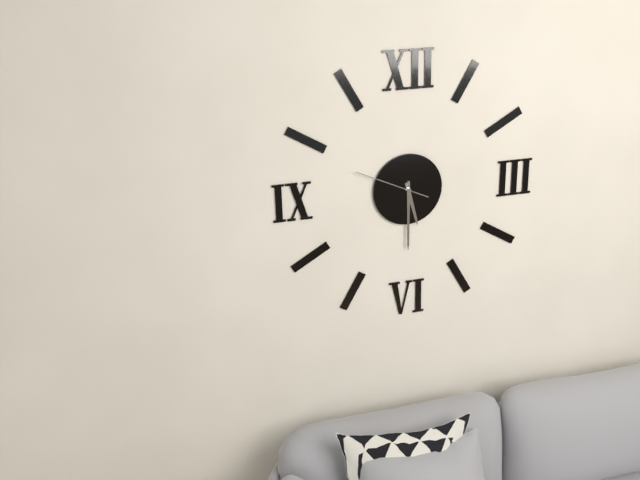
5h30m49s
